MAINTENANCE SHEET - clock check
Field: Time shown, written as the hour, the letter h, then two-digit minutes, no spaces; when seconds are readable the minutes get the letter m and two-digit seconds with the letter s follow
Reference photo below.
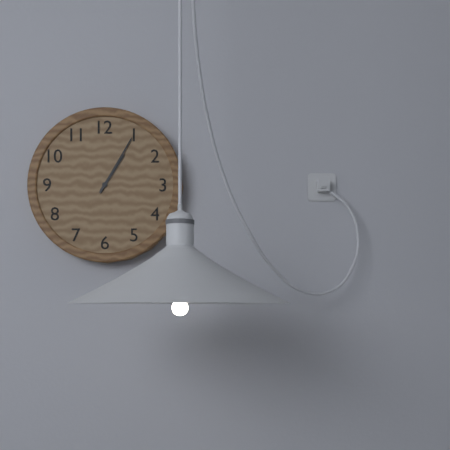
1h05
